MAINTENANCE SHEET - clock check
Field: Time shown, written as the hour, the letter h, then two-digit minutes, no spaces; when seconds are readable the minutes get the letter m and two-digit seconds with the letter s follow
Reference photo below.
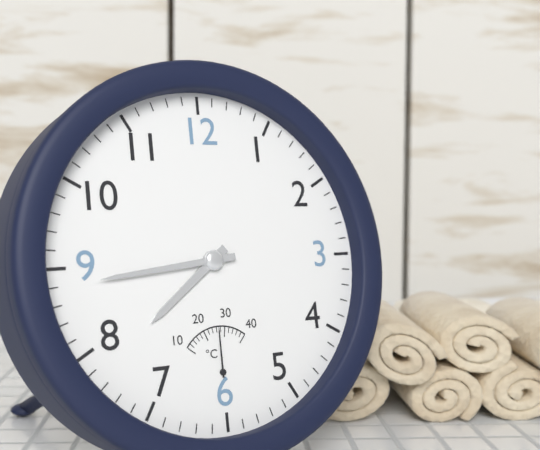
7h44
